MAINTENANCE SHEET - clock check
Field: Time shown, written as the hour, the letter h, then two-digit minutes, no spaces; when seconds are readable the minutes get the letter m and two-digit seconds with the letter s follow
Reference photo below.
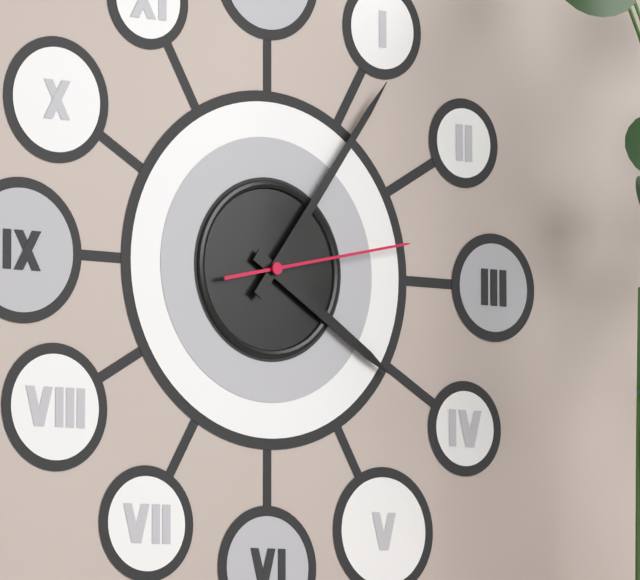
4h06m13s
